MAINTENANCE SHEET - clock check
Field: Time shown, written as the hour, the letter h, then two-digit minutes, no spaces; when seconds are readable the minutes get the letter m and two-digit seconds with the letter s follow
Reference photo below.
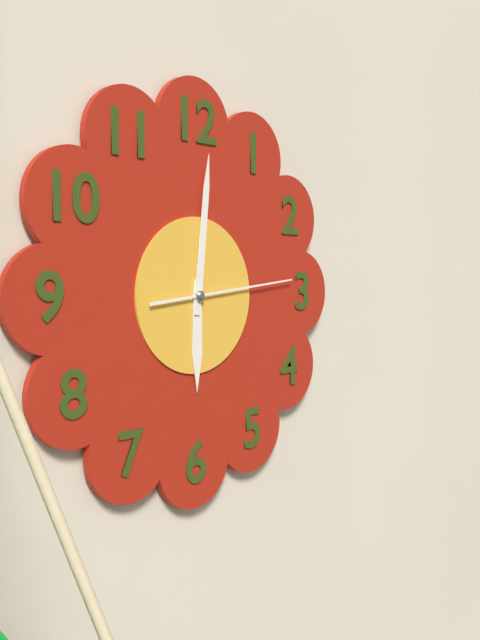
6h01m14s
